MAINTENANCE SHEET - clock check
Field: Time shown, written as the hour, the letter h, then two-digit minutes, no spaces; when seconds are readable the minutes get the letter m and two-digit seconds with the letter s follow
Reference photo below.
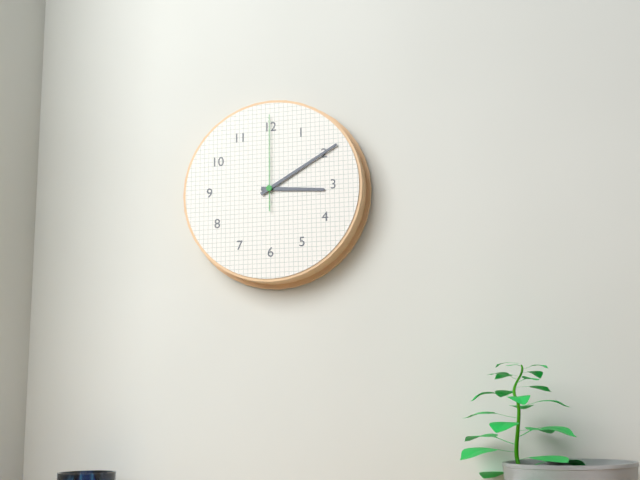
3h10m00s
